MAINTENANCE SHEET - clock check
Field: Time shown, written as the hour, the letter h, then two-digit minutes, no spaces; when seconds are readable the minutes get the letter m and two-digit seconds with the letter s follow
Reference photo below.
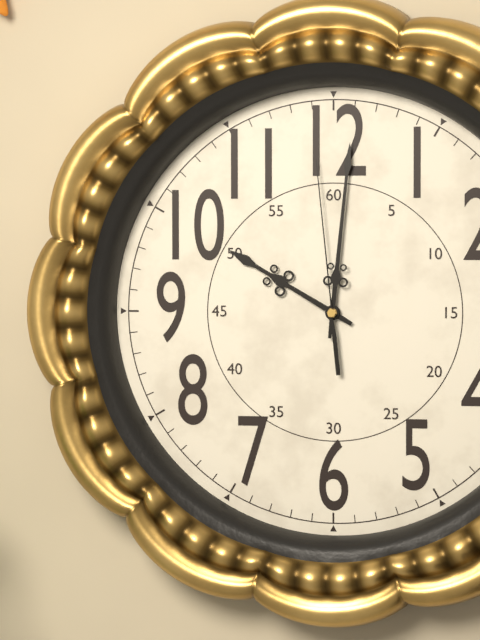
10h01m59s
